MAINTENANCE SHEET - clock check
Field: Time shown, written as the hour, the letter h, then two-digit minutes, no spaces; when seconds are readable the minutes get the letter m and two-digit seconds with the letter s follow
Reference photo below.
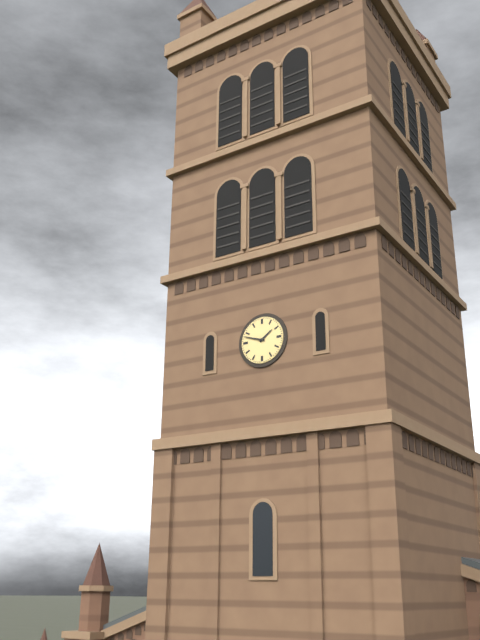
1h48
